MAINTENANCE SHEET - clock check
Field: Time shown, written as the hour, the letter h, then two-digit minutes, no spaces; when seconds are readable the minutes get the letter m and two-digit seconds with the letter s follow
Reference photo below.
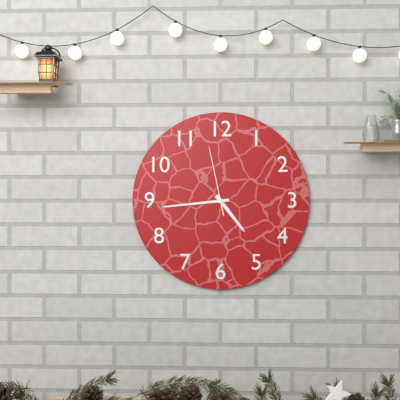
4h44m58s
